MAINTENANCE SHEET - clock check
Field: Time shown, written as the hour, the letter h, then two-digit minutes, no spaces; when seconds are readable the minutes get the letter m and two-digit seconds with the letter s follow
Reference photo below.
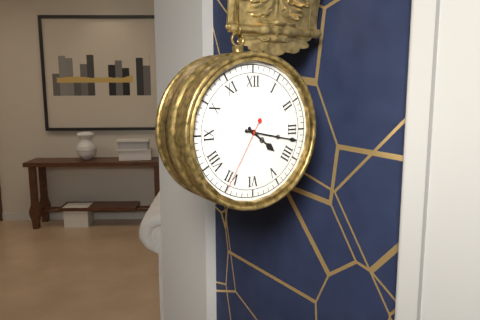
4h17m35s
